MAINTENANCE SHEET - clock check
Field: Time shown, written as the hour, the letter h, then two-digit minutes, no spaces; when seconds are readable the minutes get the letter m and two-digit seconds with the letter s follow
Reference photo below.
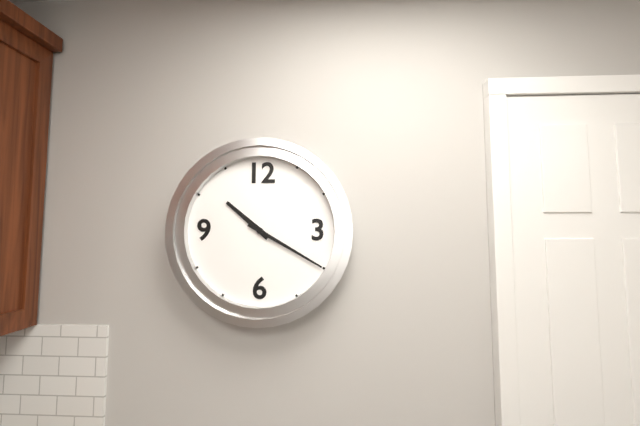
10h20
